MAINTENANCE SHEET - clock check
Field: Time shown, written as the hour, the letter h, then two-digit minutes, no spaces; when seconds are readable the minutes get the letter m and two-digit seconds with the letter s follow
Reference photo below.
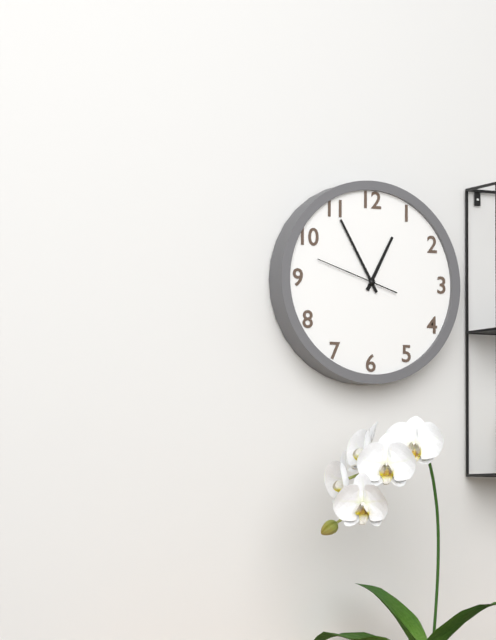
12h55m48s
